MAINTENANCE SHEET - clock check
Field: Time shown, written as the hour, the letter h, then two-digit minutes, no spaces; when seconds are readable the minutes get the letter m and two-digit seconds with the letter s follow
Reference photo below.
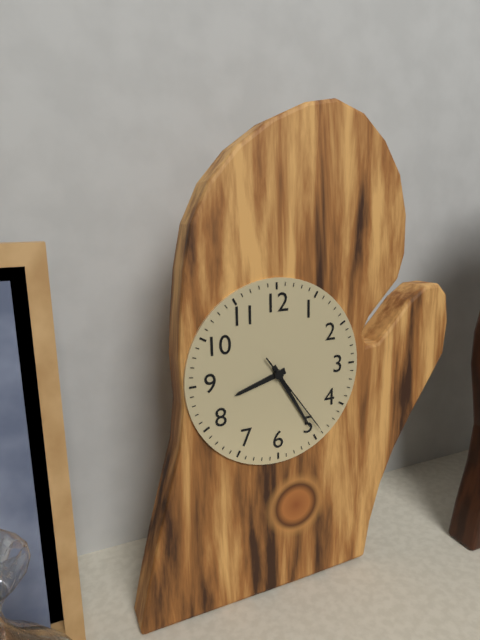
8h25m24s
